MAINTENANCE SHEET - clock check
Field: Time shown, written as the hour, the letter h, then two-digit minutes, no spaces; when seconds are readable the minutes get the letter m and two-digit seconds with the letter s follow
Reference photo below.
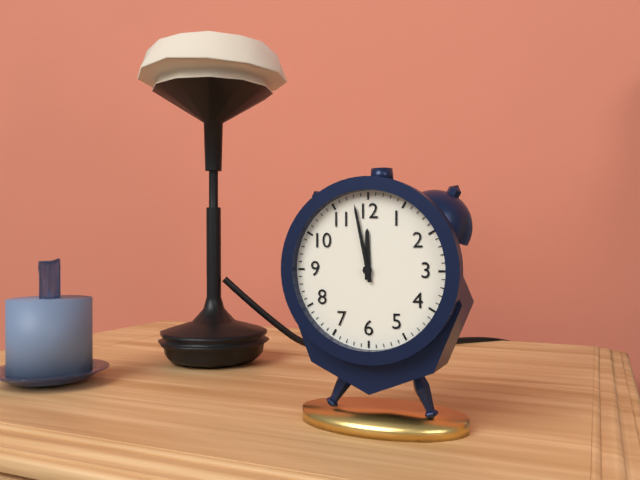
11h58
